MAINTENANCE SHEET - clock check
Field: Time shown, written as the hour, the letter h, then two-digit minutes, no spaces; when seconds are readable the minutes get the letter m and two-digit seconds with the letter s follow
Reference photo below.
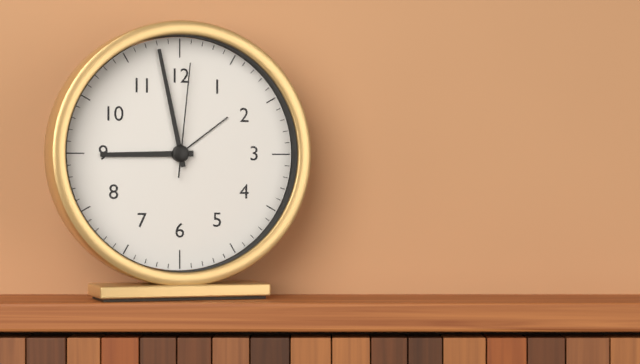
8h58m01s
